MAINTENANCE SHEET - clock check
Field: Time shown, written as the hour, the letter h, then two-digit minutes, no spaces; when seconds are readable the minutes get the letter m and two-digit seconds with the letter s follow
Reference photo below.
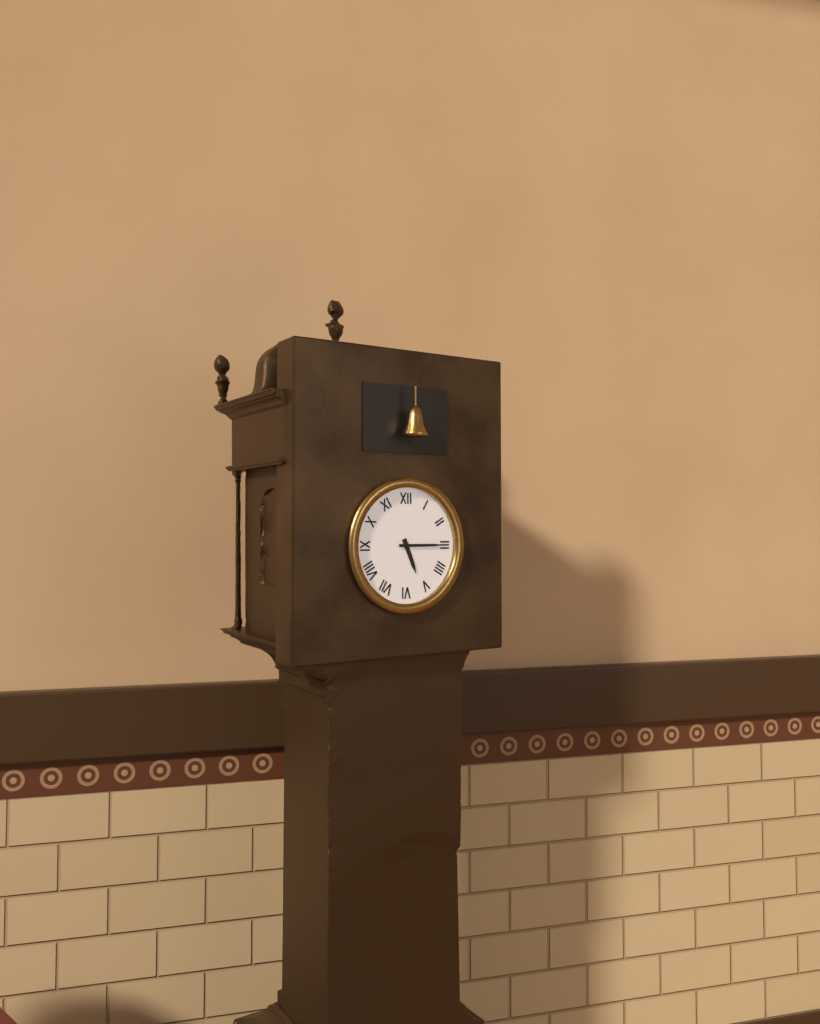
5h15
